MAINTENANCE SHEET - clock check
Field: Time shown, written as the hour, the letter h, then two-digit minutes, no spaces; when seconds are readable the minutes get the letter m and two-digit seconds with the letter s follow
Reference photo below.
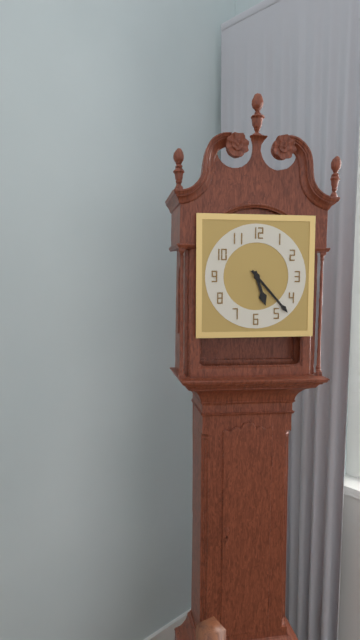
5h23
